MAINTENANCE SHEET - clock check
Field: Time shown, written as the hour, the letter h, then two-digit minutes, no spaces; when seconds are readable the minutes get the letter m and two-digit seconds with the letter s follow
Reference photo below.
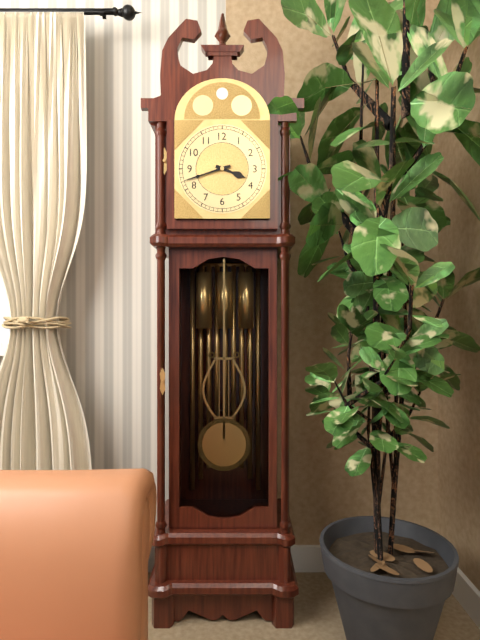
3h42
